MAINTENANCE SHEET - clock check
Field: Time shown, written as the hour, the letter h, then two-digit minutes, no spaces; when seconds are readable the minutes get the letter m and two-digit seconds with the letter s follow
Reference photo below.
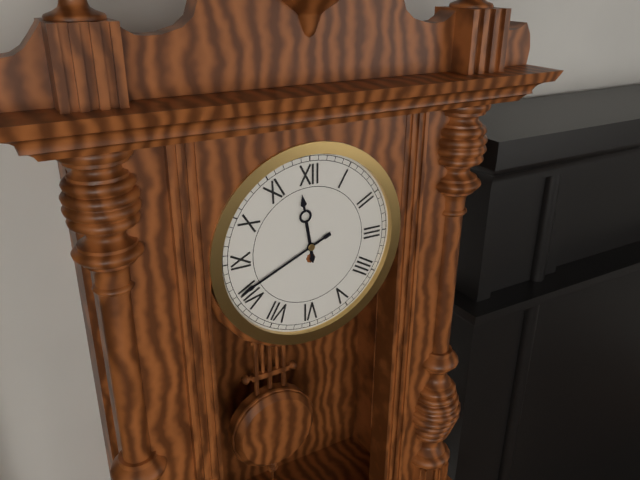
11h41
